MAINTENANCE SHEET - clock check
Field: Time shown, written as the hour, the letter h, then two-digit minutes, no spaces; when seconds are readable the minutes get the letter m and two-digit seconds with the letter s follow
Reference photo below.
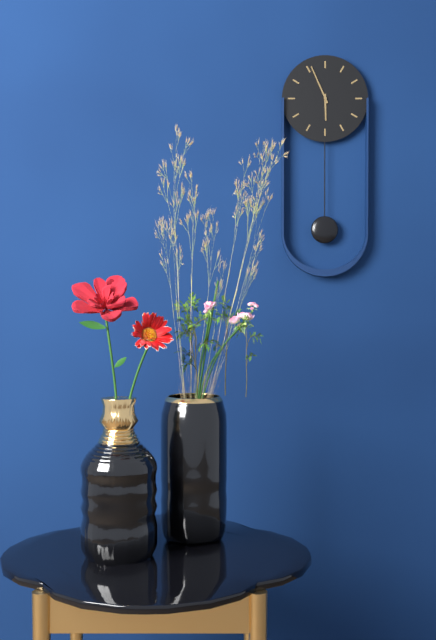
5h56
